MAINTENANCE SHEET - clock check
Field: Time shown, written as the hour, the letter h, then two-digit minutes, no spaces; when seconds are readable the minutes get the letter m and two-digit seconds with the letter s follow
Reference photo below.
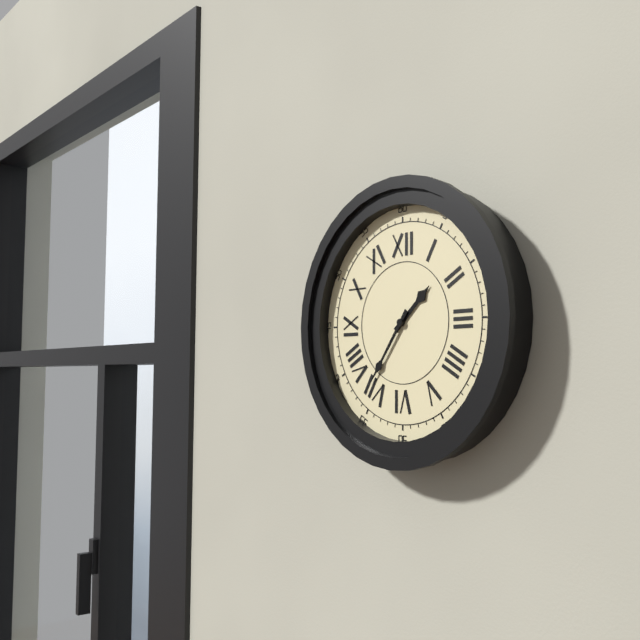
1h36
